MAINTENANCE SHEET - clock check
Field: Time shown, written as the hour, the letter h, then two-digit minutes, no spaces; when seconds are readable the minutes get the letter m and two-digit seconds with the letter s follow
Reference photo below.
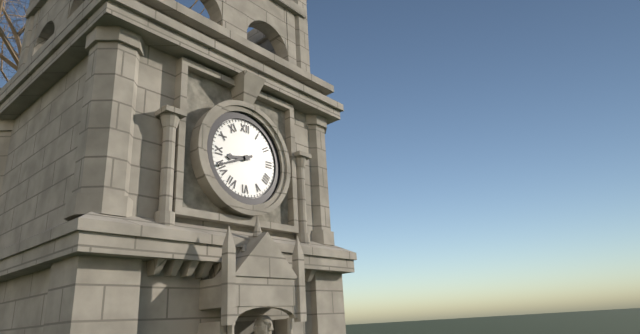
8h41
